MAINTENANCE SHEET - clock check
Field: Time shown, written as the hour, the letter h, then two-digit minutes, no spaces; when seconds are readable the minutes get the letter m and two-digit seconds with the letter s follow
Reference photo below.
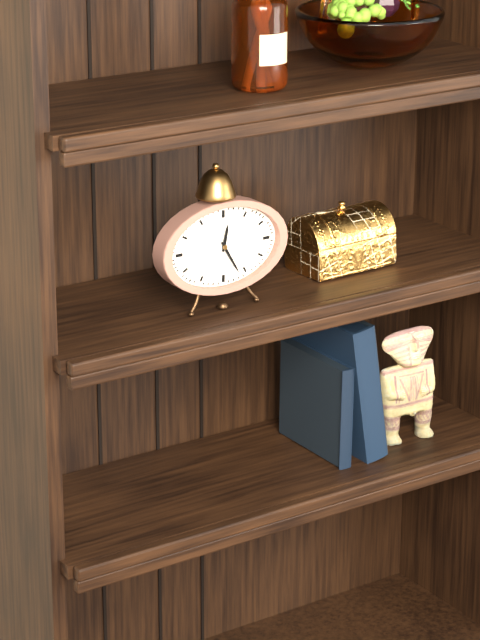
12h25
